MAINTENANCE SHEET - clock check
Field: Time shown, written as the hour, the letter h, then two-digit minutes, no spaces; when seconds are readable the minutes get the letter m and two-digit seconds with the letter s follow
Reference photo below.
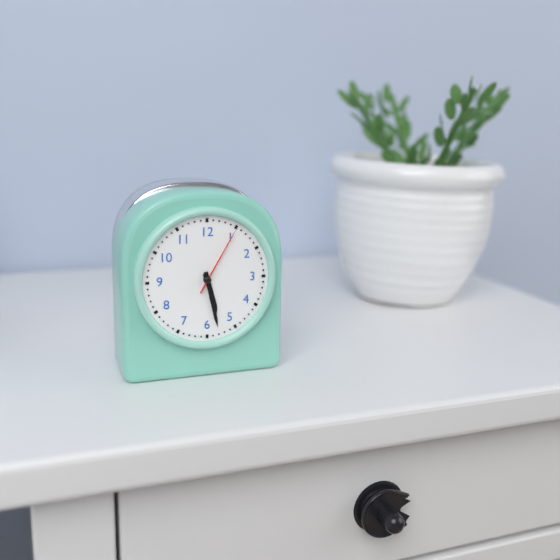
5h28m05s
